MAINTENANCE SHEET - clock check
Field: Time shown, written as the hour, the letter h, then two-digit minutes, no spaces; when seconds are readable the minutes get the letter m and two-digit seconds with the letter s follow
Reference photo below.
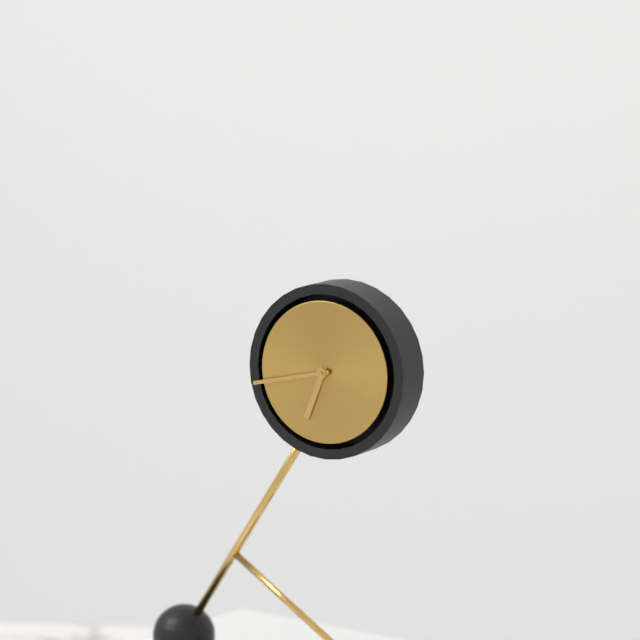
6h43
